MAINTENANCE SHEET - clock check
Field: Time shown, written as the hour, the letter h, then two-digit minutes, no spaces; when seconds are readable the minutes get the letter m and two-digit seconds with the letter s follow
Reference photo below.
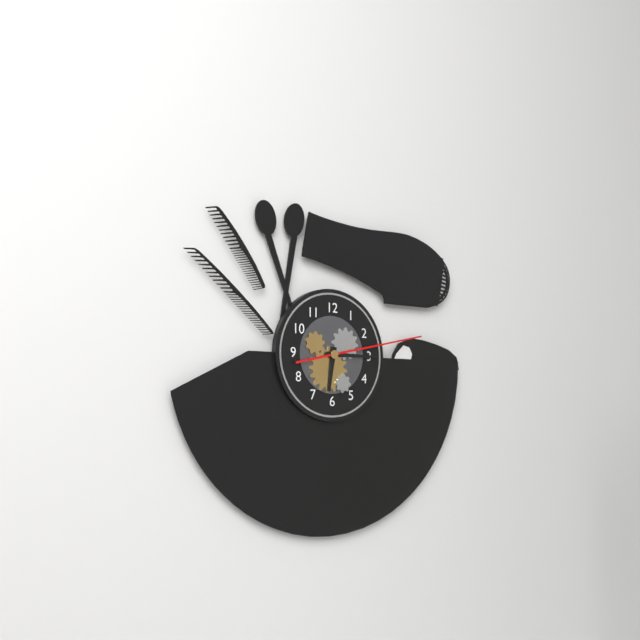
6h15m13s
